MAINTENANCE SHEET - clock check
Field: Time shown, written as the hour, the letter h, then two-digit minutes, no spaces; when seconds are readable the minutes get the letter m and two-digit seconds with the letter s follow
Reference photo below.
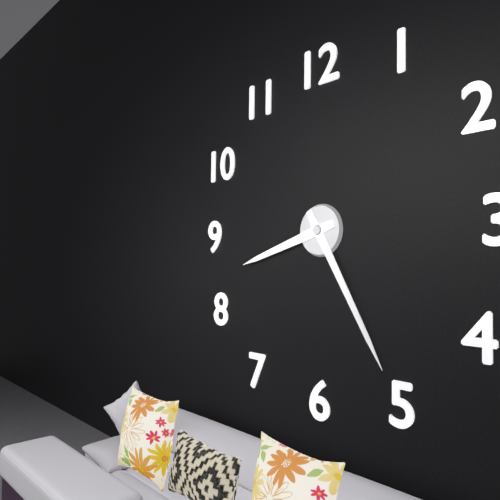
8h25
